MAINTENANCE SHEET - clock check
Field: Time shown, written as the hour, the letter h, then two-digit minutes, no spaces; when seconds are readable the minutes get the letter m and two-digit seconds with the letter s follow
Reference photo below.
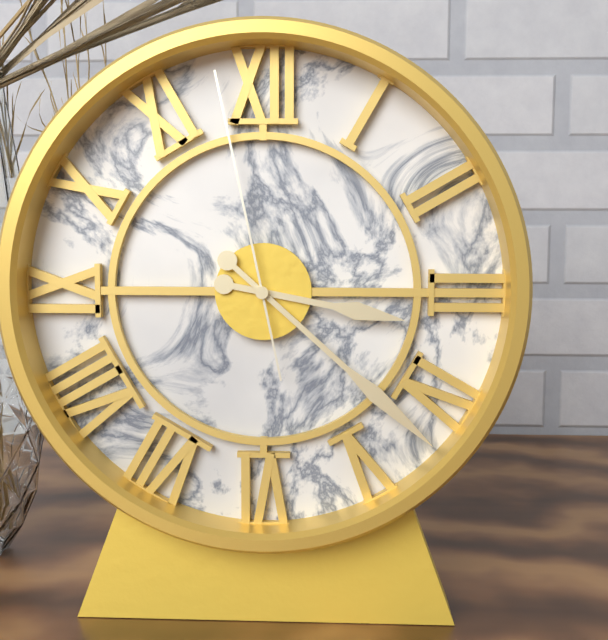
3h22m58s
